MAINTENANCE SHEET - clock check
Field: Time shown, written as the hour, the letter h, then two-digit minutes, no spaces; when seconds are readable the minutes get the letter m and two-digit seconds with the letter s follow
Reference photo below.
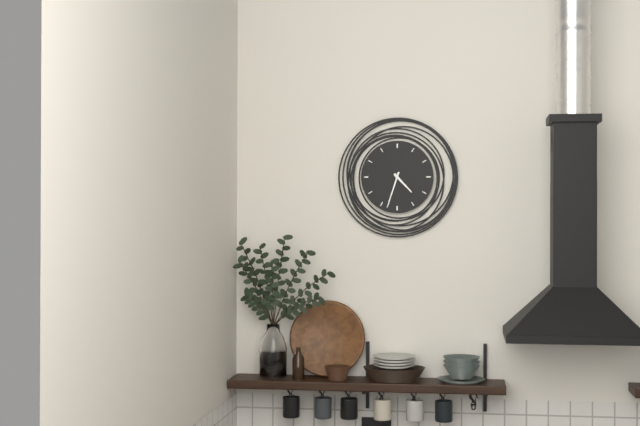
4h33
